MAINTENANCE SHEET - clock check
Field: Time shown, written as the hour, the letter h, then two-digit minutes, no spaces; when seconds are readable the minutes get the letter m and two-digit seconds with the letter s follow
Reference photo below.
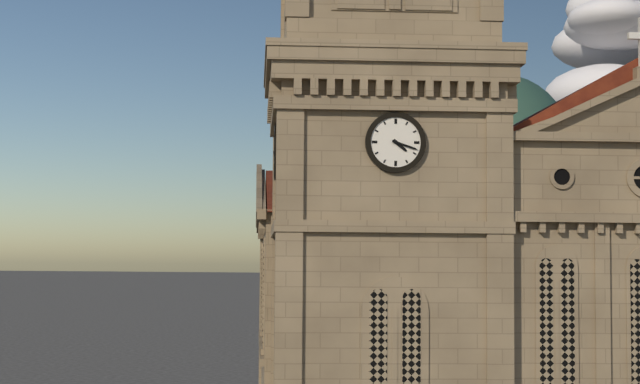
4h18
